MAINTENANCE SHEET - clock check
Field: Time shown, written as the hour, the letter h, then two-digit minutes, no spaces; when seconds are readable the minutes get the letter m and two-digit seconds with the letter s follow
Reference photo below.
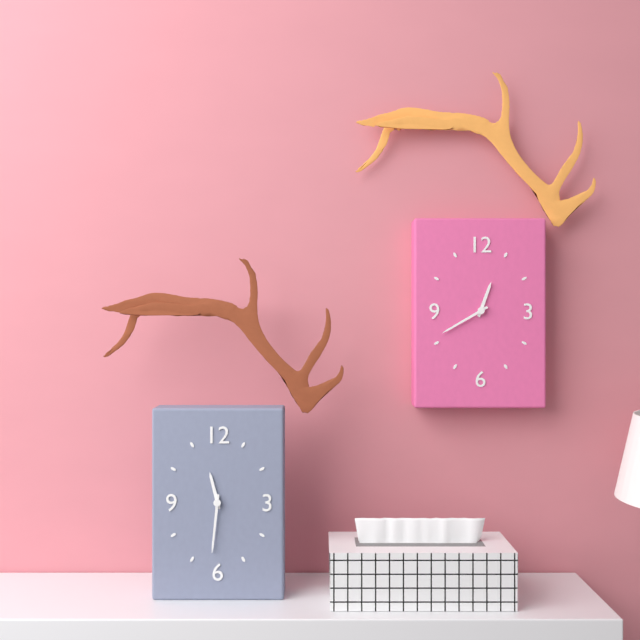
11h31
